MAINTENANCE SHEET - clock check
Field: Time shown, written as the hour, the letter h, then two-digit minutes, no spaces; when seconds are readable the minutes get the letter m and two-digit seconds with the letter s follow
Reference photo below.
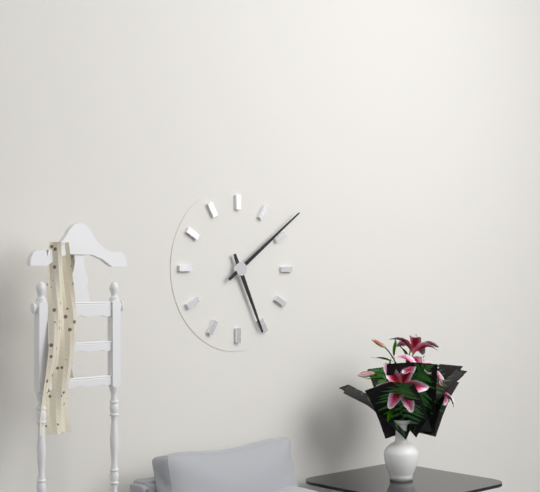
5h09
